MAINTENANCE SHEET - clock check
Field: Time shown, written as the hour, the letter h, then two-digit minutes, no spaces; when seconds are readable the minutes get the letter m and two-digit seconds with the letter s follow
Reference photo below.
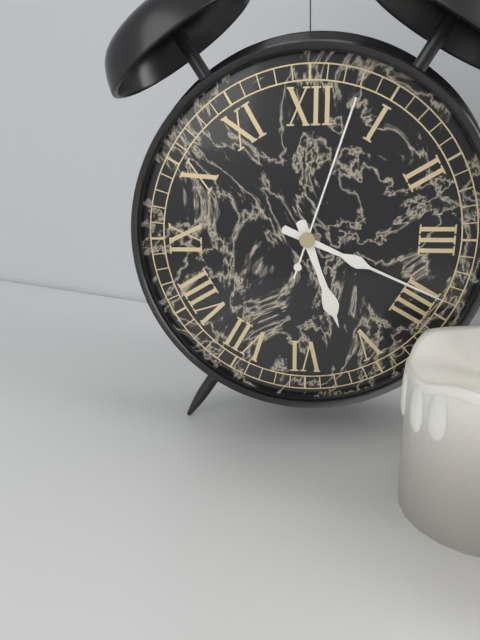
5h19m03s
